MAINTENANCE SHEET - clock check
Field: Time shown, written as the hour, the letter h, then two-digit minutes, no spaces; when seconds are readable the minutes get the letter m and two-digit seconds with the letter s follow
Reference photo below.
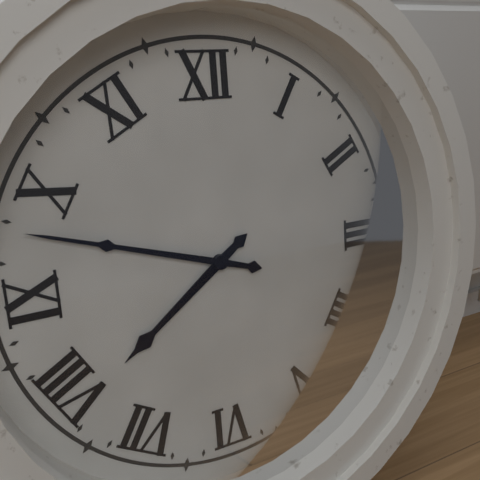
7h48
